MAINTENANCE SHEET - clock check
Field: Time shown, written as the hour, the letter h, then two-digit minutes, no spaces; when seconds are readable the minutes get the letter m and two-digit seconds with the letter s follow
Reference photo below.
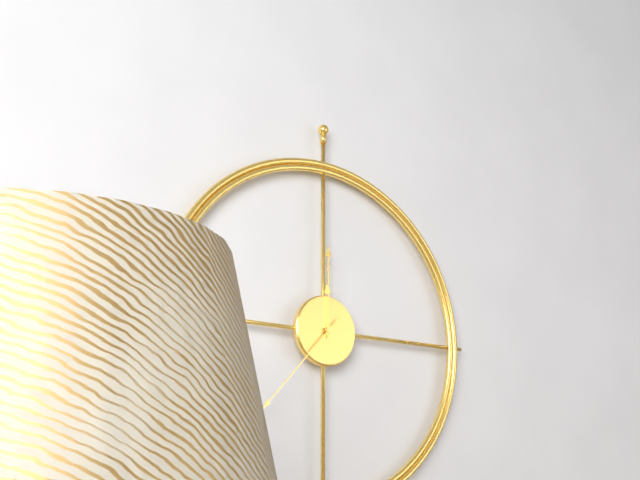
12h00m37s
